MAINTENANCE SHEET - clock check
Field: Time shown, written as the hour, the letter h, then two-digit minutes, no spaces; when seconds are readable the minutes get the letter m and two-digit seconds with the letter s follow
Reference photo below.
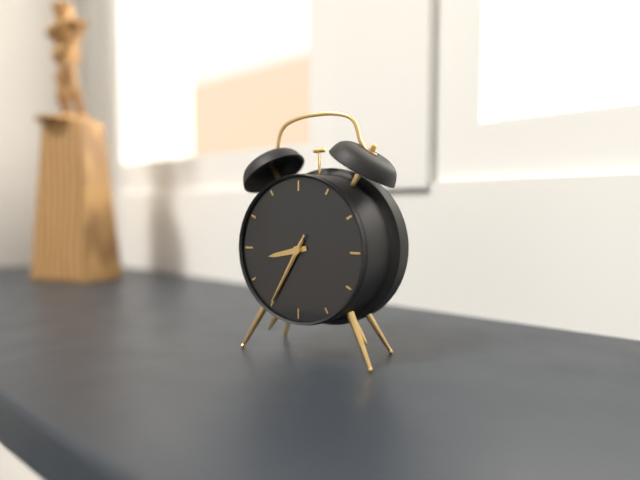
8h35m35s
